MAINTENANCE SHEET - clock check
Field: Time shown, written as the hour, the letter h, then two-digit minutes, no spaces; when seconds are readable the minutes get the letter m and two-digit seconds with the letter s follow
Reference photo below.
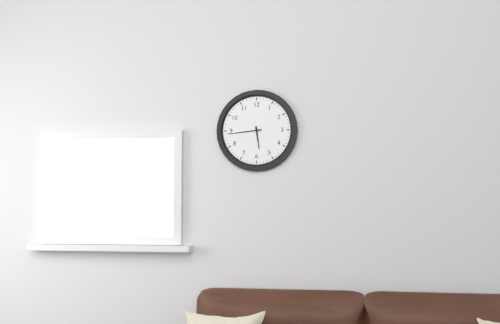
5h44
